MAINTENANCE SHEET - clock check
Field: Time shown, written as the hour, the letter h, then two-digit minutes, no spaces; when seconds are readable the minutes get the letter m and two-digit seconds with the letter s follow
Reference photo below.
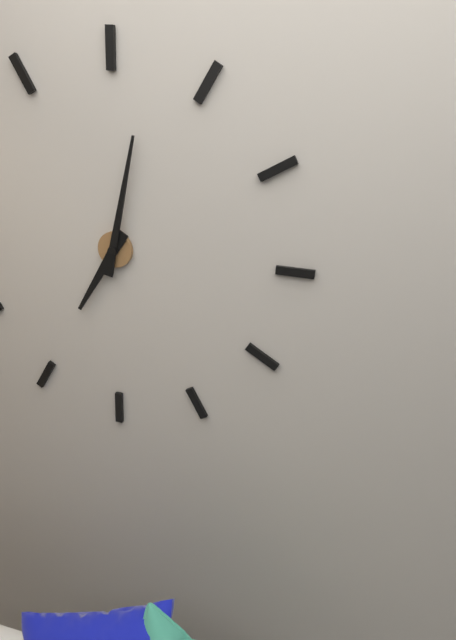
7h02
